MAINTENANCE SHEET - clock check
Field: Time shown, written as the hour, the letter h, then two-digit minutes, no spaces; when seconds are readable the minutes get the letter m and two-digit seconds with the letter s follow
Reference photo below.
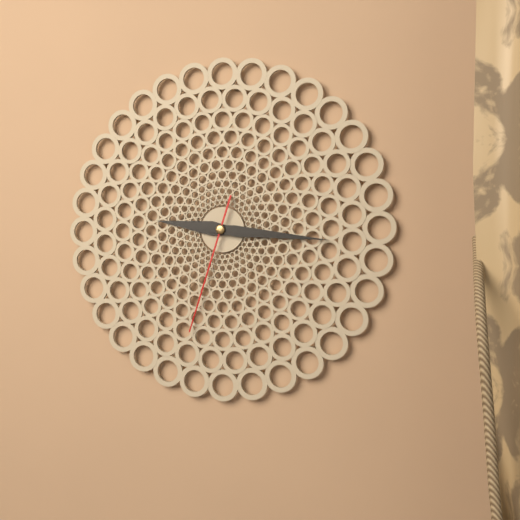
9h16m33s
